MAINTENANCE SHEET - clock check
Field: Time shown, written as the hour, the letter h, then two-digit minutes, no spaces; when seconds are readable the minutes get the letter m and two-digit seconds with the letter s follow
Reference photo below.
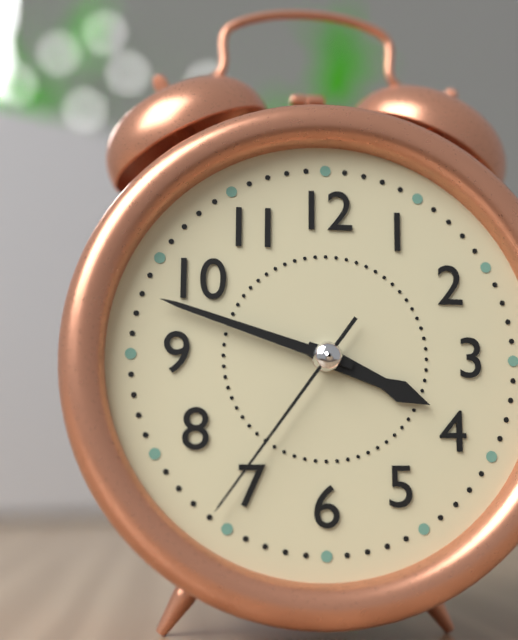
3h48m36s
